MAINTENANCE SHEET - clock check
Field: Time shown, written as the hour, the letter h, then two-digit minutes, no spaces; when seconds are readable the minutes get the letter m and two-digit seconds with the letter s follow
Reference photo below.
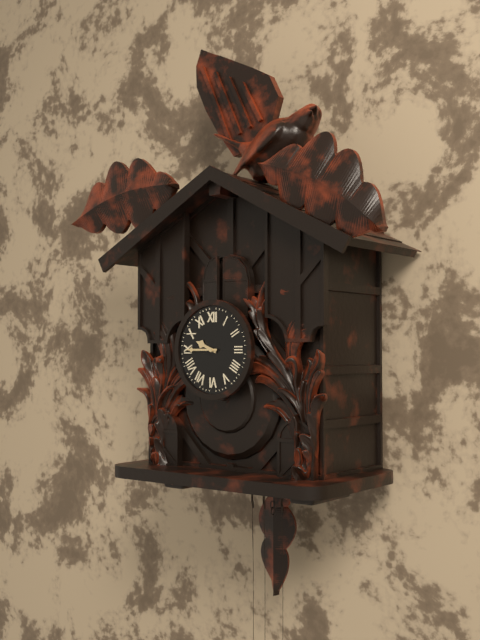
9h45
